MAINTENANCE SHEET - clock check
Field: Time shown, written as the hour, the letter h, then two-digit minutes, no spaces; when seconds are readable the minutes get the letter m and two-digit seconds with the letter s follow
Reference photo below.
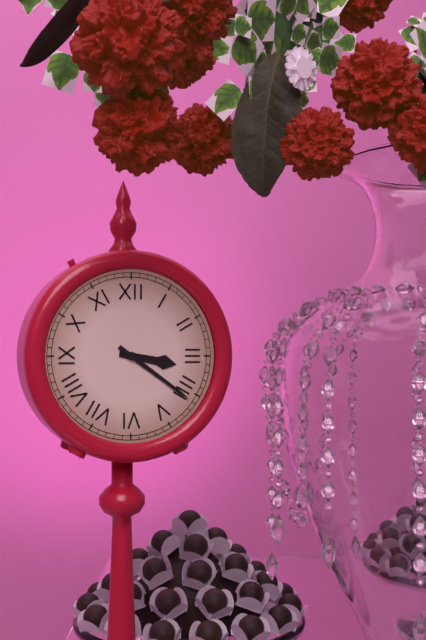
3h21
